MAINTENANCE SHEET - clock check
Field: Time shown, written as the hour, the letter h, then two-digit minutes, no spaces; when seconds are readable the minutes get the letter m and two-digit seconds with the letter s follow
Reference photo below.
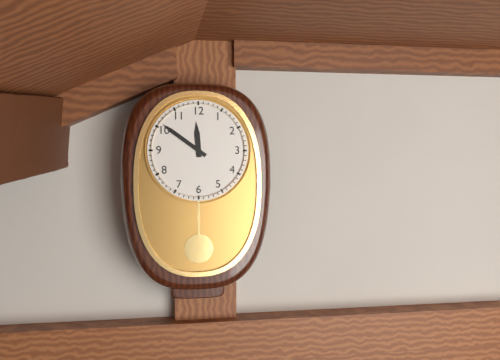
11h51
